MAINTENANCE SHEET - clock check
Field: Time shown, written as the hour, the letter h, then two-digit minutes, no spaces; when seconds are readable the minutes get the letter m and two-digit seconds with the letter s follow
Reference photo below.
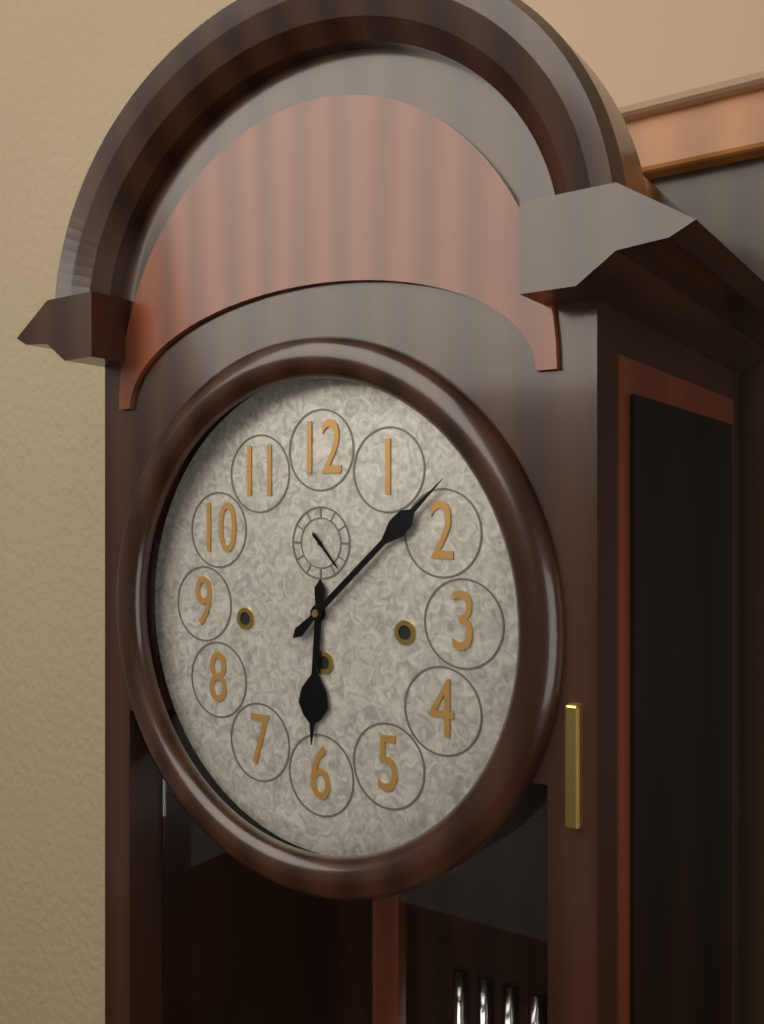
6h08m23s
